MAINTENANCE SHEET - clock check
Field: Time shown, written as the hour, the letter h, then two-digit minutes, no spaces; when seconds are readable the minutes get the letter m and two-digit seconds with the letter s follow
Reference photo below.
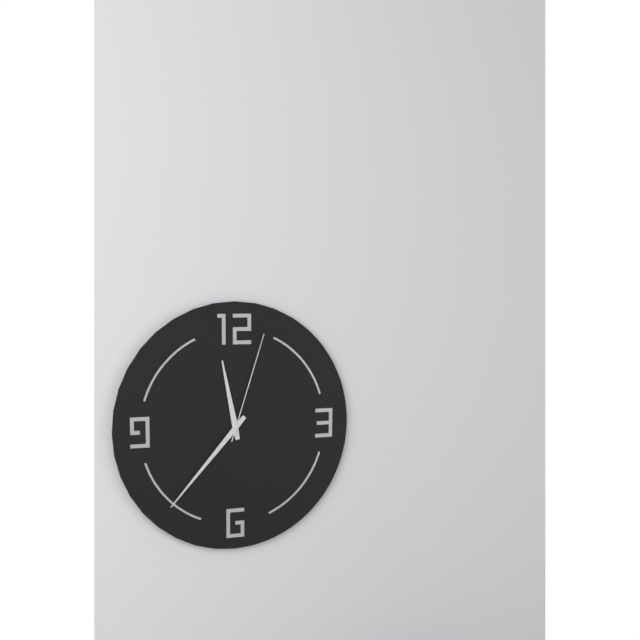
11h37m03s
